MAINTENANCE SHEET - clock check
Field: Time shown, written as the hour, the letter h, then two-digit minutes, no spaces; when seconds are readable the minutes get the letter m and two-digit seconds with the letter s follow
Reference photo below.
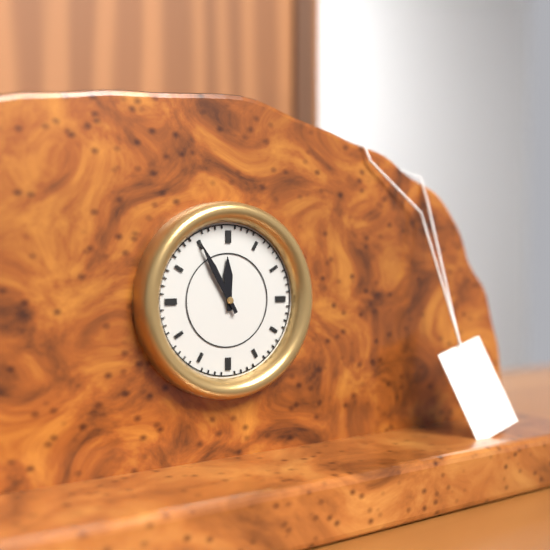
11h55
